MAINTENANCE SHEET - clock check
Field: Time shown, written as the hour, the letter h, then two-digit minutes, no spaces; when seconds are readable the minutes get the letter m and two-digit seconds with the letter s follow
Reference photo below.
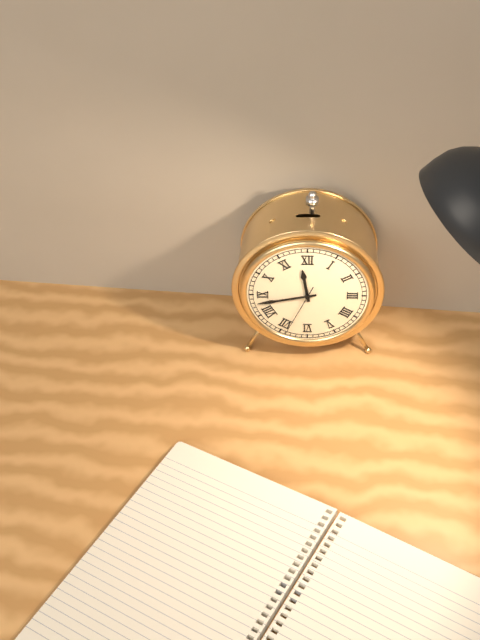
11h43m34s
